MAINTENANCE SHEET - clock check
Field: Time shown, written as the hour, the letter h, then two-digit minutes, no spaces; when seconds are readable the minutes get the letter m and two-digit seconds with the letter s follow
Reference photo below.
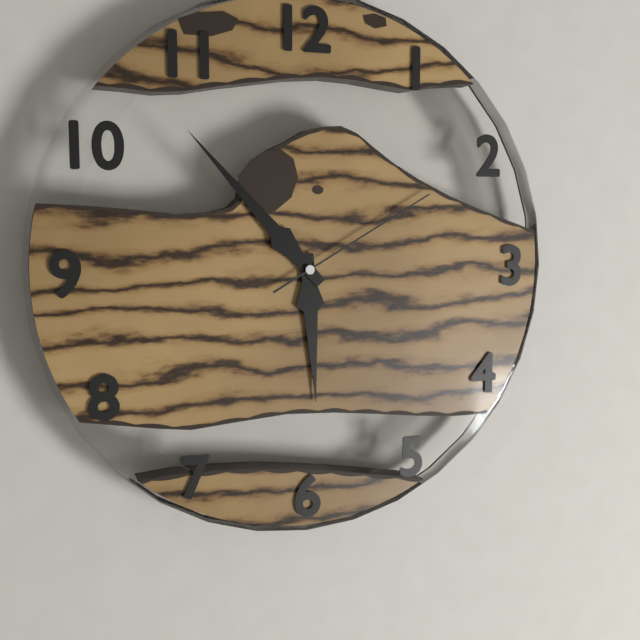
5h53m10s
